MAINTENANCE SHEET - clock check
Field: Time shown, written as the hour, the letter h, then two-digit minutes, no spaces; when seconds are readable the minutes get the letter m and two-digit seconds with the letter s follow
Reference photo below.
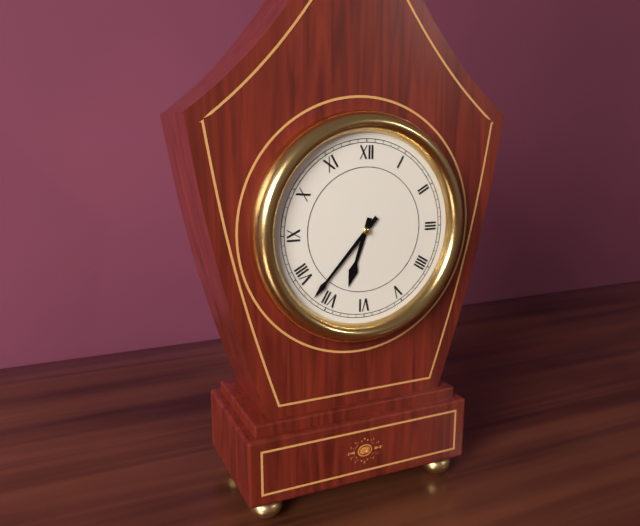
6h37
